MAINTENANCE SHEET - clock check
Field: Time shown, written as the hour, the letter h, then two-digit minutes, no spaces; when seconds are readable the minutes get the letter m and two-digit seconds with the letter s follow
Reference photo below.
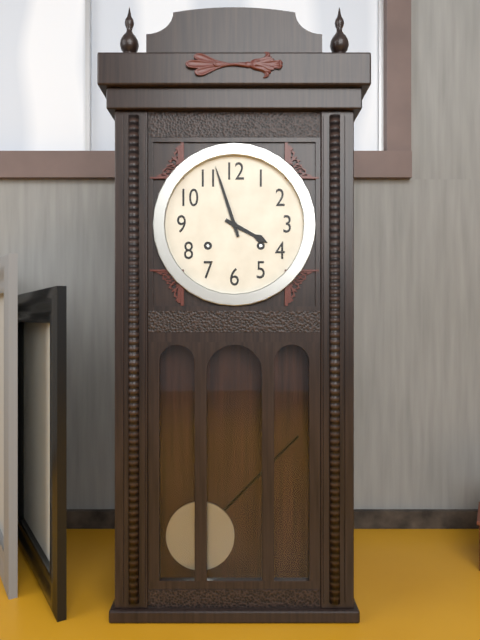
3h57
